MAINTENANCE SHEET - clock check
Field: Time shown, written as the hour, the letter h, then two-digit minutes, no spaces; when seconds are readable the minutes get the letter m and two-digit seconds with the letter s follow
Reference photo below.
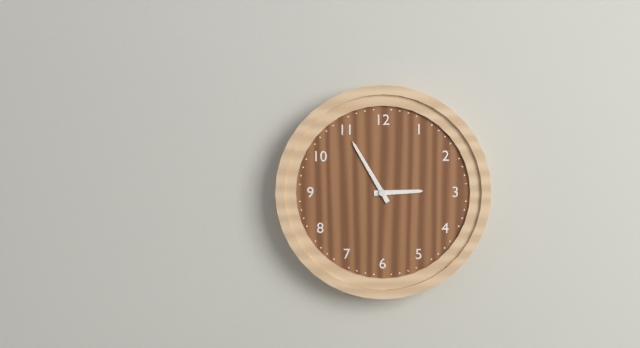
2h55
